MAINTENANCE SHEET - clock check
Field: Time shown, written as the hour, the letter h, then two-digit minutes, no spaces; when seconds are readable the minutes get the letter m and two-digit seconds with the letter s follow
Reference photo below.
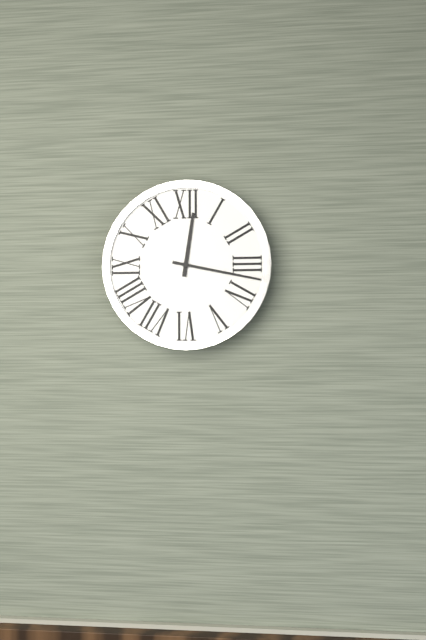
12h17
